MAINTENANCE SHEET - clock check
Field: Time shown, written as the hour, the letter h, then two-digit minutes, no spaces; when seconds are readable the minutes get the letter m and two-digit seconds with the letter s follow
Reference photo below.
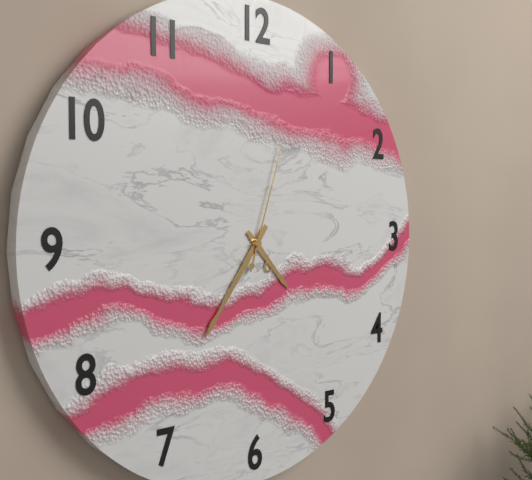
4h36m03s
